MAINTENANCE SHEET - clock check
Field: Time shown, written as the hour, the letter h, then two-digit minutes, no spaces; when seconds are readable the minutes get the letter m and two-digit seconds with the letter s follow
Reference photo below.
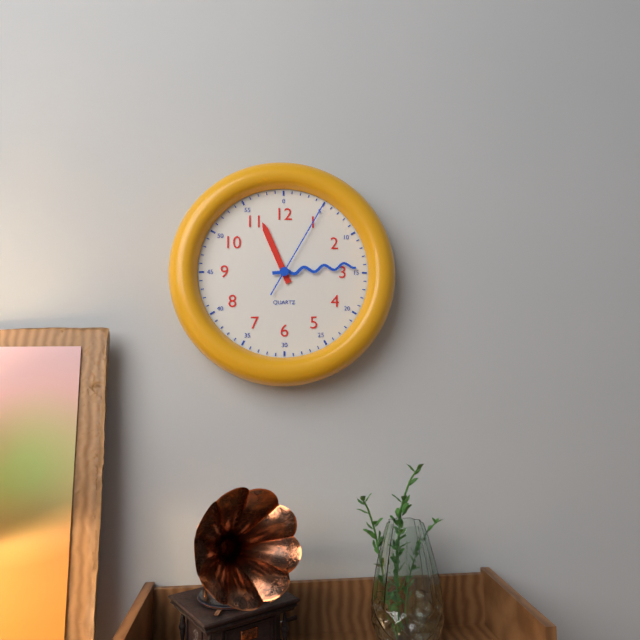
11h14m05s
